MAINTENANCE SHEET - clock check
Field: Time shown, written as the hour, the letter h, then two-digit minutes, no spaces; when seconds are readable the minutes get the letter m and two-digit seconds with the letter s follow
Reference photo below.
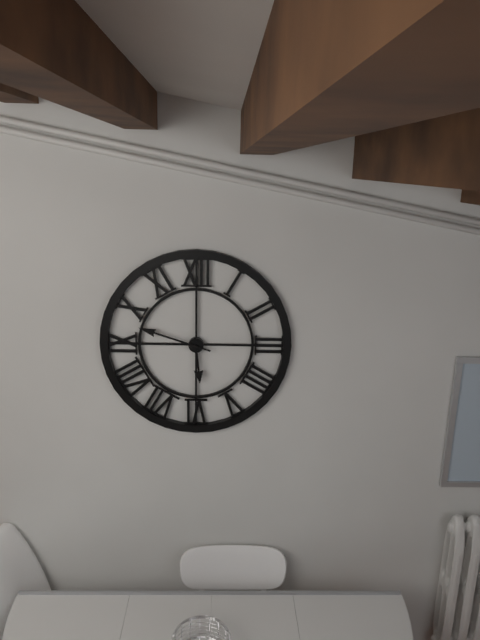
5h48
